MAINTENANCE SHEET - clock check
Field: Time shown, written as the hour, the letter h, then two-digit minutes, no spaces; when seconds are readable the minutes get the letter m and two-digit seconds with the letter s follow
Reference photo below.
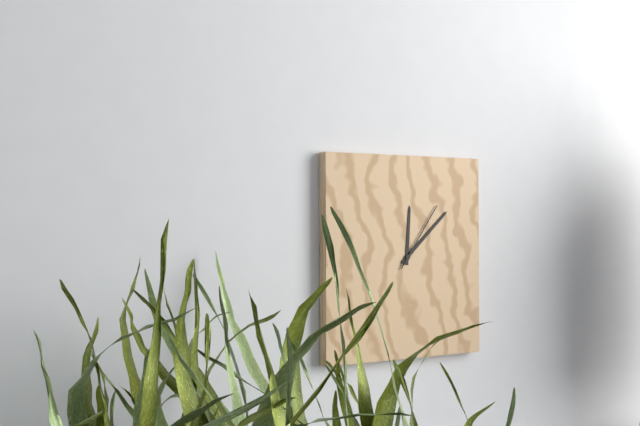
12h08m06s
